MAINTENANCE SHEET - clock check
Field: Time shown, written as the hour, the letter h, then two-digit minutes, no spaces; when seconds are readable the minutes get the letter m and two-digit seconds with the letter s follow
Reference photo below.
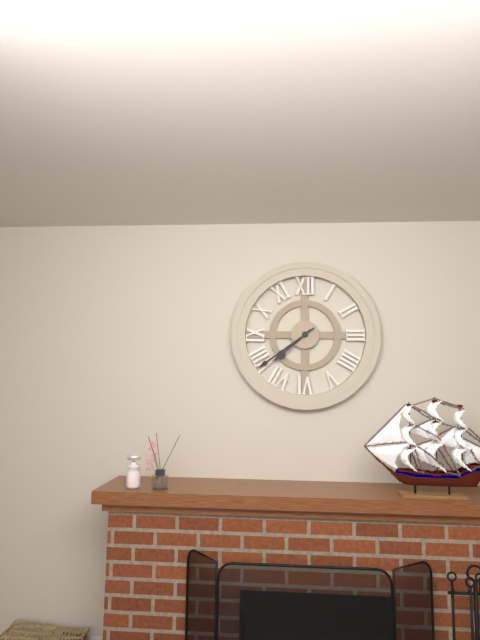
7h39
